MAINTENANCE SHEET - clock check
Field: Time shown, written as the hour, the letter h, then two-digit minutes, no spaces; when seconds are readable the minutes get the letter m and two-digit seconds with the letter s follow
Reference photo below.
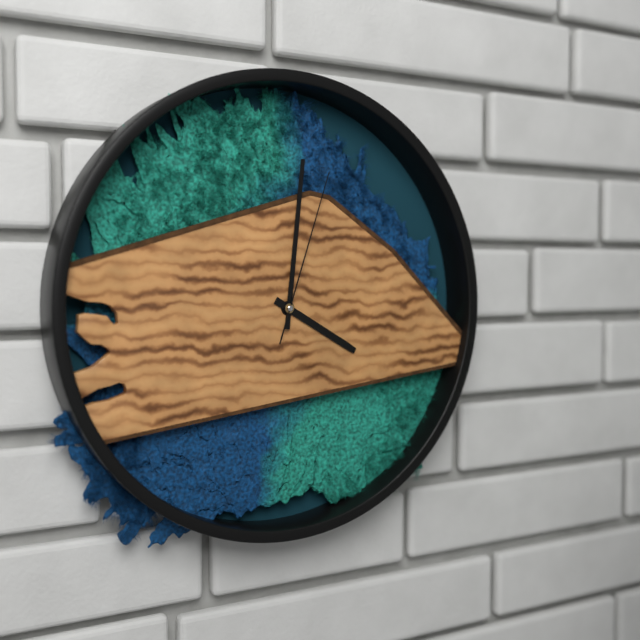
4h01m03s
